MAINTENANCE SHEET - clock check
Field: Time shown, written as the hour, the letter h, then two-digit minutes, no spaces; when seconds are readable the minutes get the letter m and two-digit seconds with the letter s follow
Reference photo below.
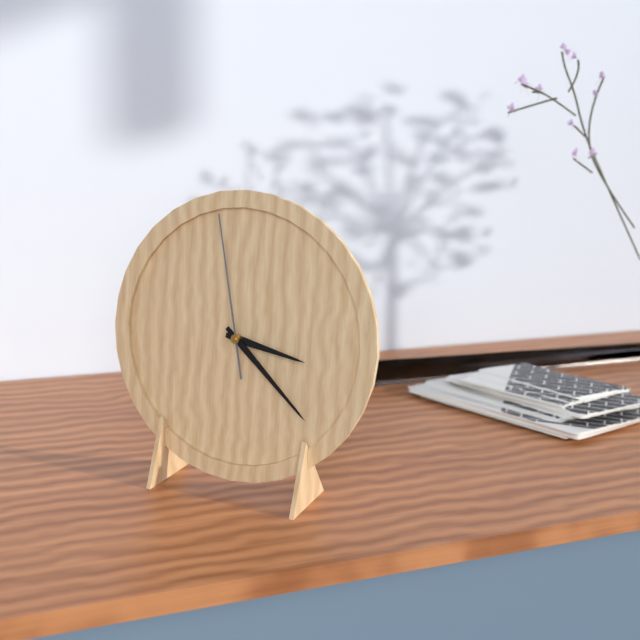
3h22m58s
